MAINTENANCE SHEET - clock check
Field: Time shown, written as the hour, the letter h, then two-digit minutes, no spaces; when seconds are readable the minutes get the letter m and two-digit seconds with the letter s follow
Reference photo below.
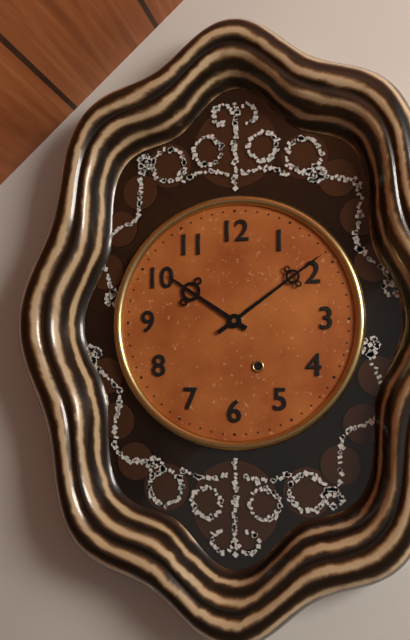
10h09
